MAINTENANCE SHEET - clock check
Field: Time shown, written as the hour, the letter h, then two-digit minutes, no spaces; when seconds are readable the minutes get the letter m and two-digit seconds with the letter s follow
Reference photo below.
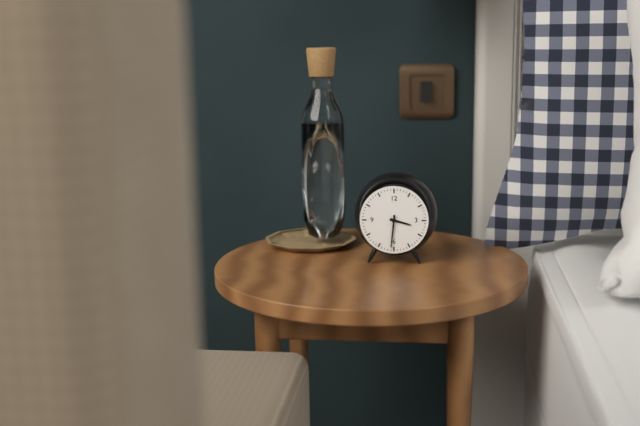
3h31
